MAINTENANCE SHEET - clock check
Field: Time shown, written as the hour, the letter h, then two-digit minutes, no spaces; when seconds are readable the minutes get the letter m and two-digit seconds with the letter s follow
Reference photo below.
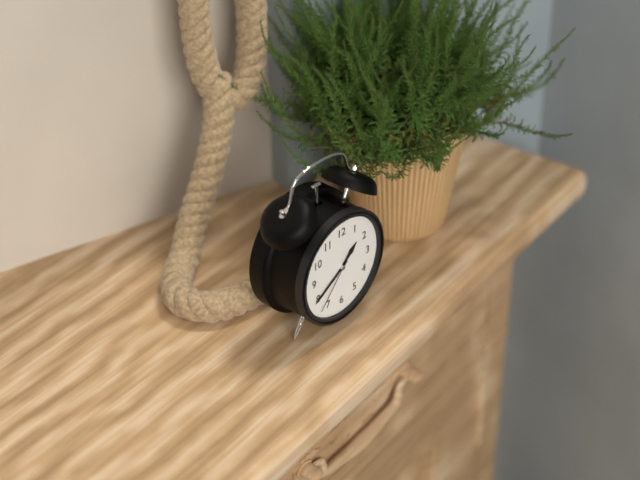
1h40m37s
